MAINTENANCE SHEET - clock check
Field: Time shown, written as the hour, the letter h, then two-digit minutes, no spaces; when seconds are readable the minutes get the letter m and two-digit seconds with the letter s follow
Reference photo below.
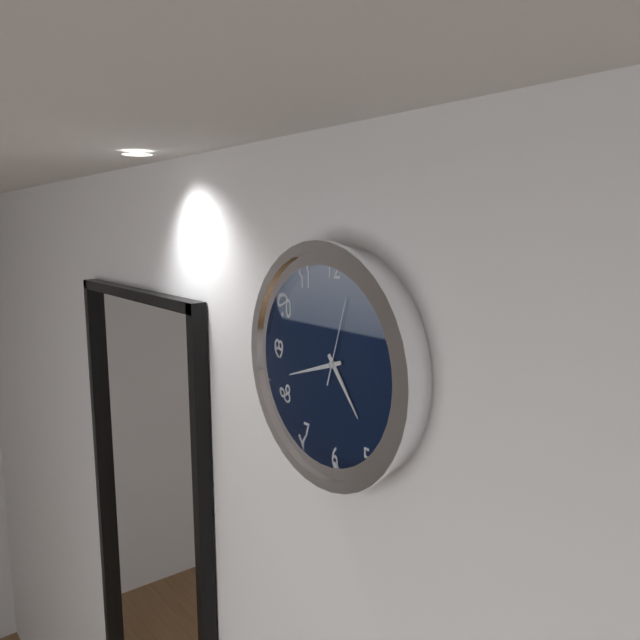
4h42m03s
